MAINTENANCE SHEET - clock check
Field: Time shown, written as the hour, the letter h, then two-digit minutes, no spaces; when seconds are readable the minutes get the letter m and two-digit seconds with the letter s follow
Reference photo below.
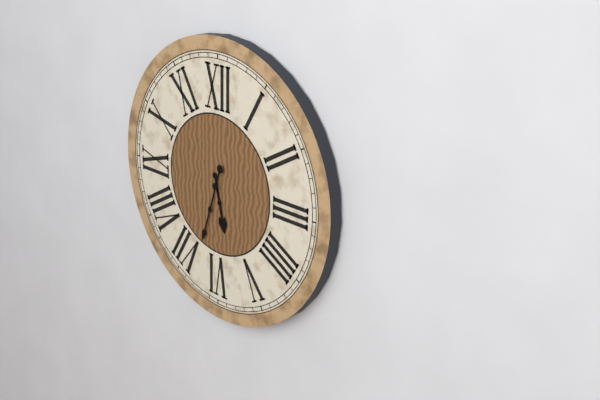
5h33
